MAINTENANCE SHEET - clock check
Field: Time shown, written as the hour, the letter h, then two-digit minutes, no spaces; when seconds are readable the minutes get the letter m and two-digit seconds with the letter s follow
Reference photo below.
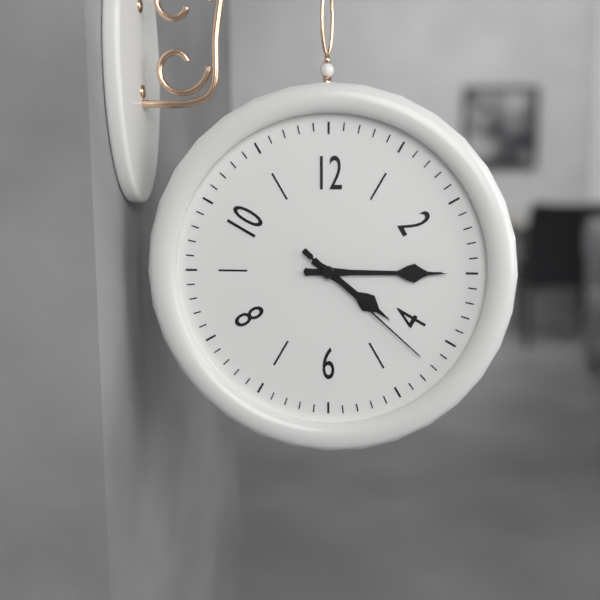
4h15m22s
